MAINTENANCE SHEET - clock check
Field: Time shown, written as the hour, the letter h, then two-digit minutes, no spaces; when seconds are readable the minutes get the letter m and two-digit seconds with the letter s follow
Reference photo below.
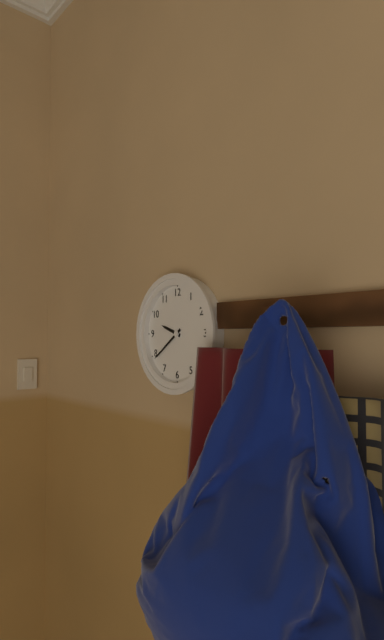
9h39
